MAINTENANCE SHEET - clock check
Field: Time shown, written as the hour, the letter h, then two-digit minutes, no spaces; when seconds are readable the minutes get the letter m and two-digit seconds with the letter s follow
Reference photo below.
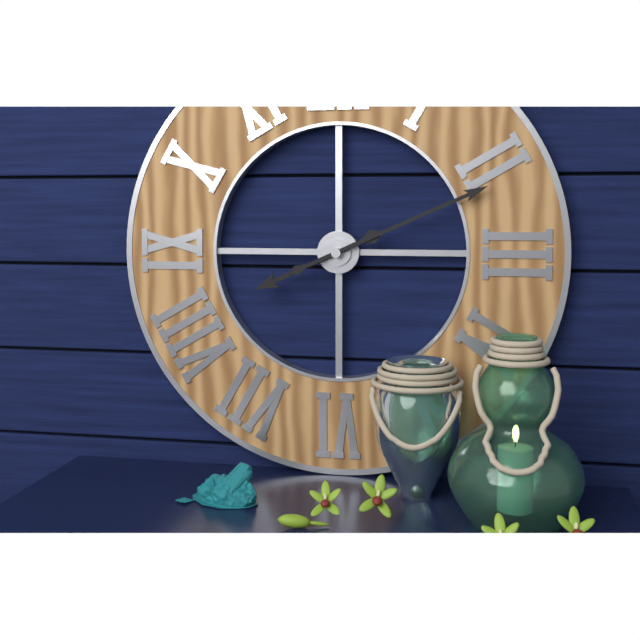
8h11
